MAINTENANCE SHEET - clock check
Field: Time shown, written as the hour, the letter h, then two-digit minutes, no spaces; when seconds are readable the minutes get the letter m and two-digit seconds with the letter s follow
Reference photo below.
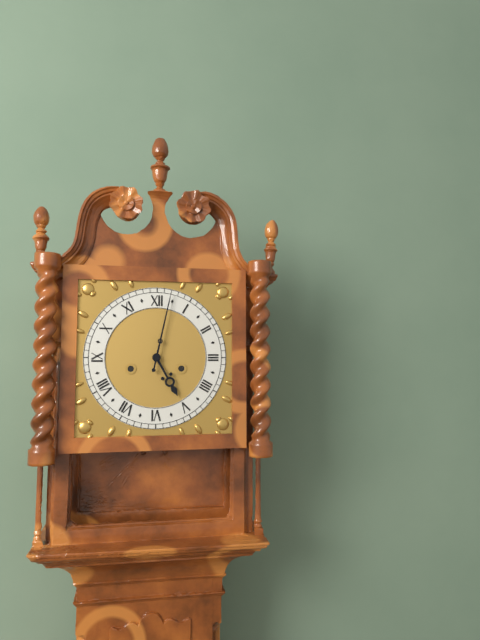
5h02
